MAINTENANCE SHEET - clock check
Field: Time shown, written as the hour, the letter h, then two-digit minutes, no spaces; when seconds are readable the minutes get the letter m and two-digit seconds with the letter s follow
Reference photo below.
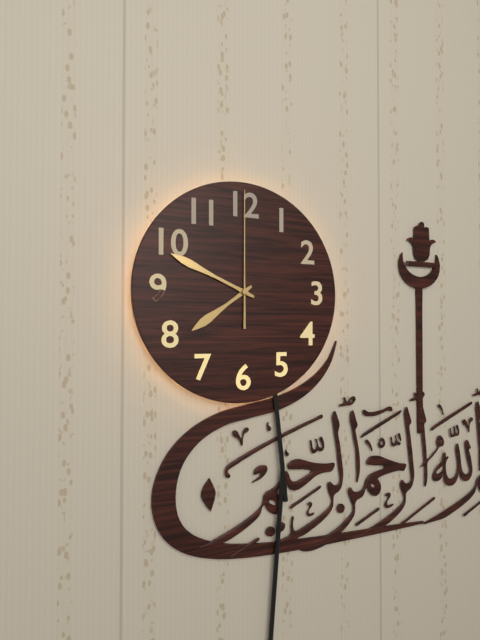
7h49m00s
